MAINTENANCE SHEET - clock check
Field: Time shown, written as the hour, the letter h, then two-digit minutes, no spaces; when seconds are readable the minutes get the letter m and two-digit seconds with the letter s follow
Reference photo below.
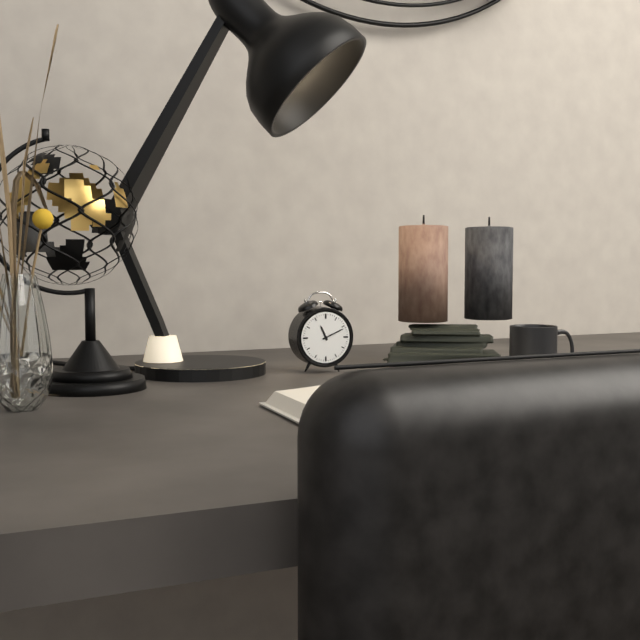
11h11
